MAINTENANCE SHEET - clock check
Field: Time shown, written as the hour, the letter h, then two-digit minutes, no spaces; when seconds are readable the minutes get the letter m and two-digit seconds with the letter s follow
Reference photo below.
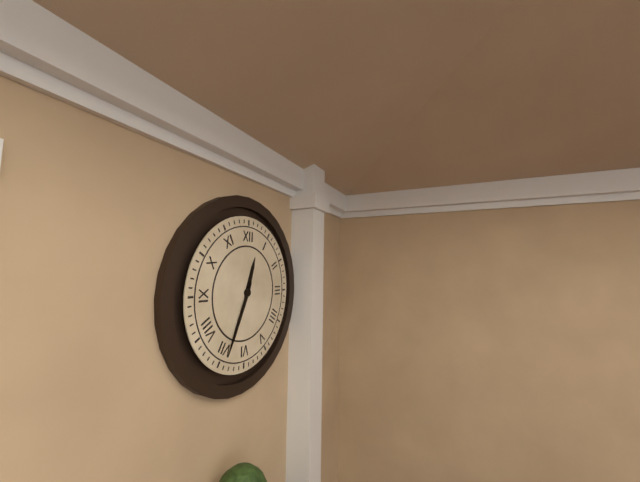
12h34
